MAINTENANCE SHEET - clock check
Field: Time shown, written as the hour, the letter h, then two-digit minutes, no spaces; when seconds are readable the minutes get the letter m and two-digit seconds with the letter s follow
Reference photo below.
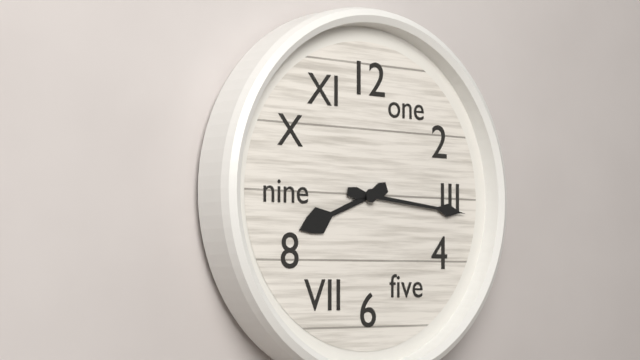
8h16
